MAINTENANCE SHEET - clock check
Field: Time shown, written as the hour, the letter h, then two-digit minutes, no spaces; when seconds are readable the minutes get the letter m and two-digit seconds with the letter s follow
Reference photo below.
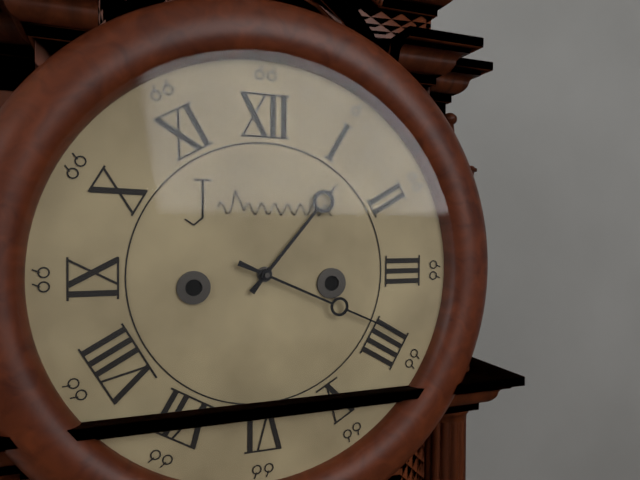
1h19
